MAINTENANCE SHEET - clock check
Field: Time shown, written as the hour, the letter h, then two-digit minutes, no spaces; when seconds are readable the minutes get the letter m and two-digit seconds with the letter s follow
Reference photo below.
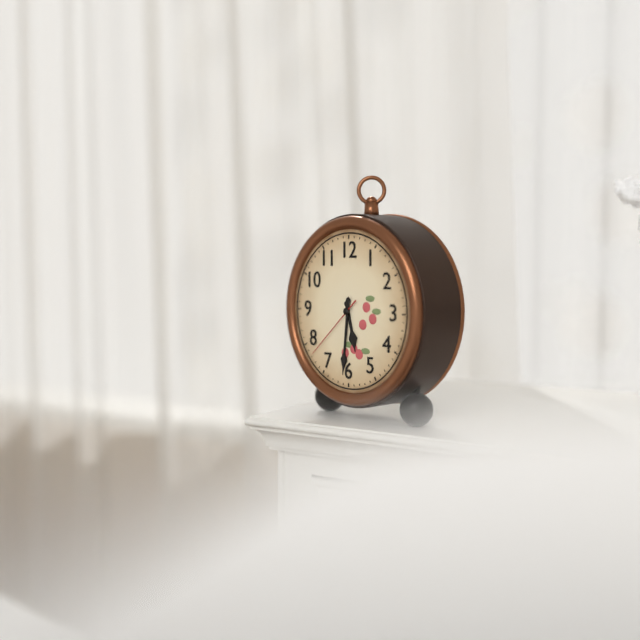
5h31m38s
